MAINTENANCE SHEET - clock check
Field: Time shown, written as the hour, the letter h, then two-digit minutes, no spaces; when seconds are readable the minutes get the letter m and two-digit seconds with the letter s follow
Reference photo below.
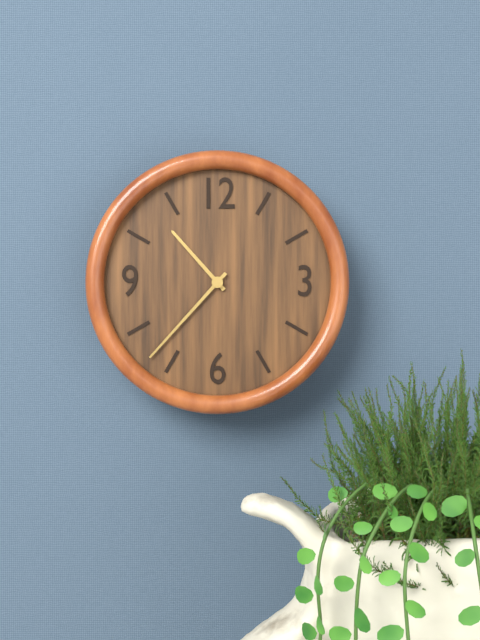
10h37
